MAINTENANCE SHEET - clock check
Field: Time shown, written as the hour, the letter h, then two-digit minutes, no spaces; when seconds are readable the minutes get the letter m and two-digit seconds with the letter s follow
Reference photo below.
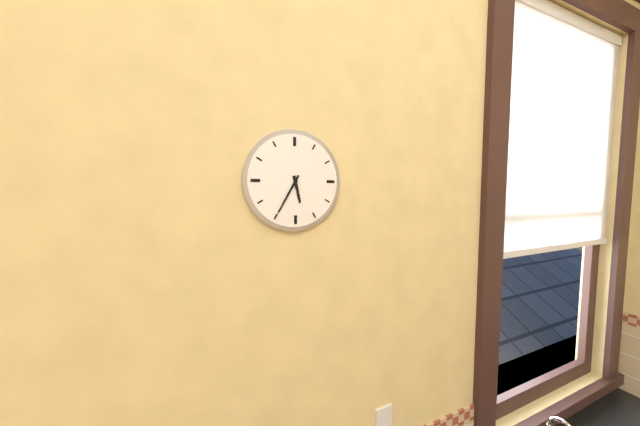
5h35
